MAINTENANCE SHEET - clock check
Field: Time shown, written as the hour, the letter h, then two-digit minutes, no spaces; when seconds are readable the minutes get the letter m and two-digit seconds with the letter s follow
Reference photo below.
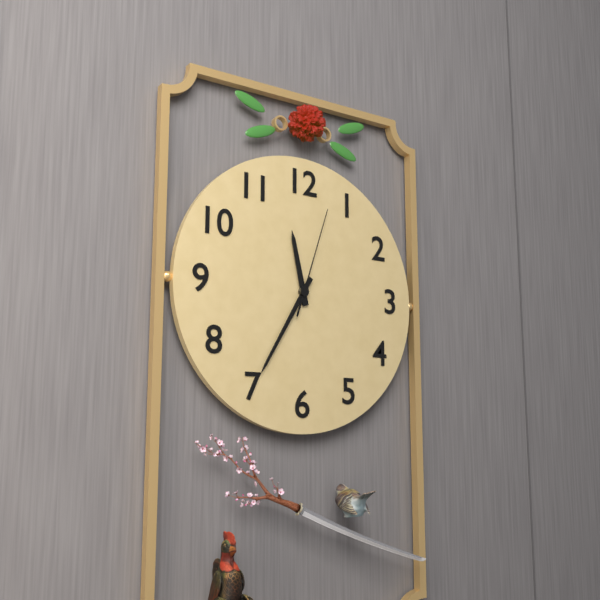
11h35m03s
